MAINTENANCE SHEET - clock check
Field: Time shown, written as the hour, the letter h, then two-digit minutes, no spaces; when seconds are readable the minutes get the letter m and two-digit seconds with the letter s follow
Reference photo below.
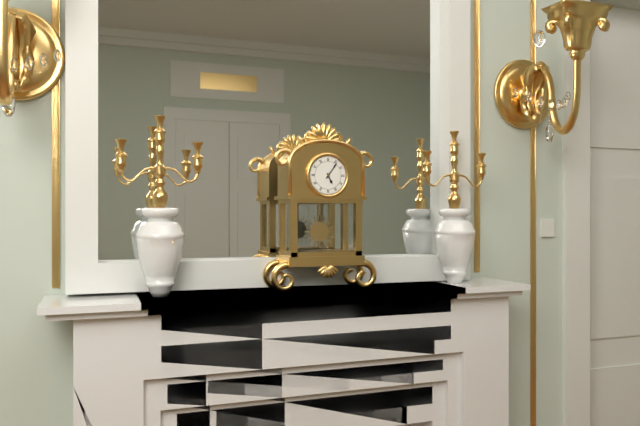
5h06
